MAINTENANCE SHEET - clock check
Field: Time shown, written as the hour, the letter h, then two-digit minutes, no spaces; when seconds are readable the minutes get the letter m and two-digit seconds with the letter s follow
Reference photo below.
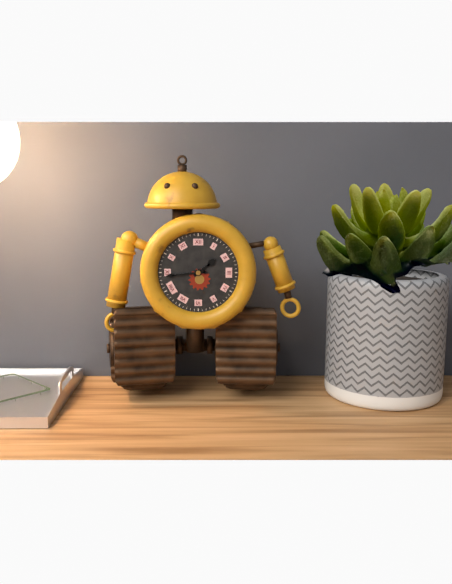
1h44
